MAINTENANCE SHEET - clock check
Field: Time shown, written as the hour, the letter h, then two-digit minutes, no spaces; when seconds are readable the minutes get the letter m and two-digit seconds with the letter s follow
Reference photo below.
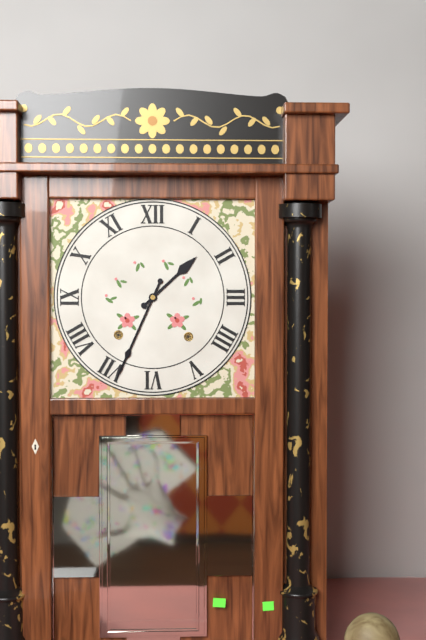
1h34
